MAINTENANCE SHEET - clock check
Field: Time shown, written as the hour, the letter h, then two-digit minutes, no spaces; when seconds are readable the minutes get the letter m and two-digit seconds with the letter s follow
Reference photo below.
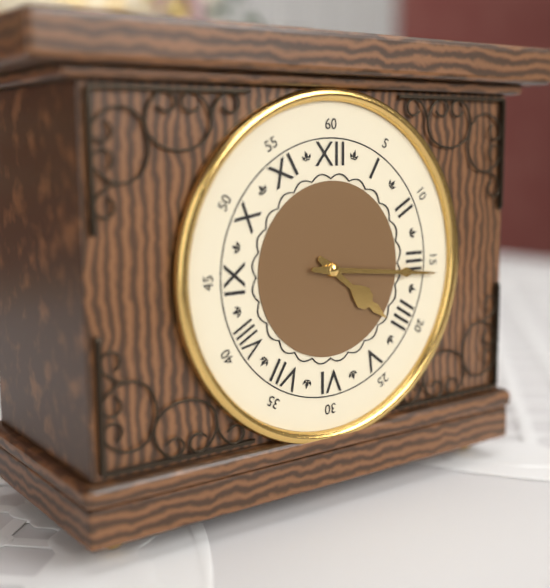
4h16
